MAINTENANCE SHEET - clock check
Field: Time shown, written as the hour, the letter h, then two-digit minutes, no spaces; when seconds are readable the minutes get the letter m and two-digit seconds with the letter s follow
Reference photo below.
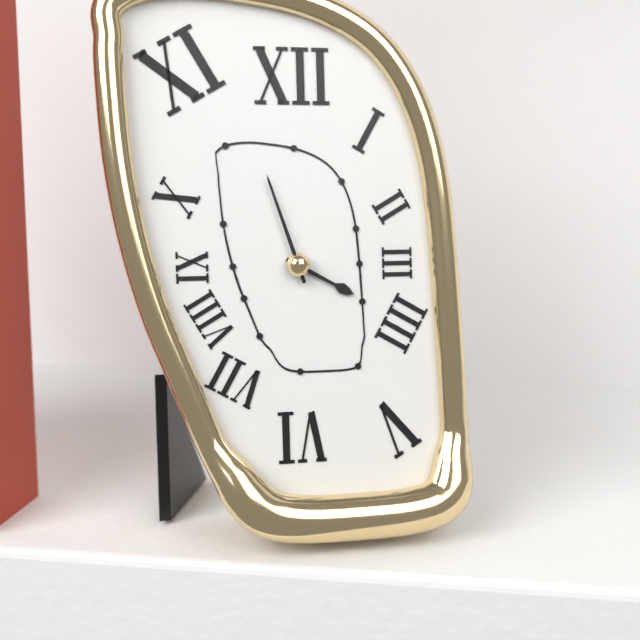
3h57
